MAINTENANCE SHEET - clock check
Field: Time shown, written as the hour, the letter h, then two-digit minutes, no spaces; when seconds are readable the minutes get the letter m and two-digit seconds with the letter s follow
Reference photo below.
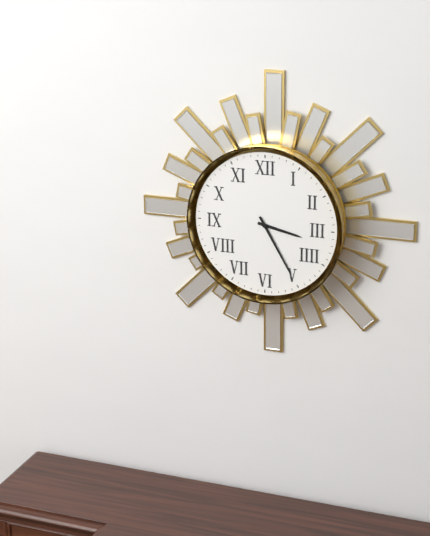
3h25
